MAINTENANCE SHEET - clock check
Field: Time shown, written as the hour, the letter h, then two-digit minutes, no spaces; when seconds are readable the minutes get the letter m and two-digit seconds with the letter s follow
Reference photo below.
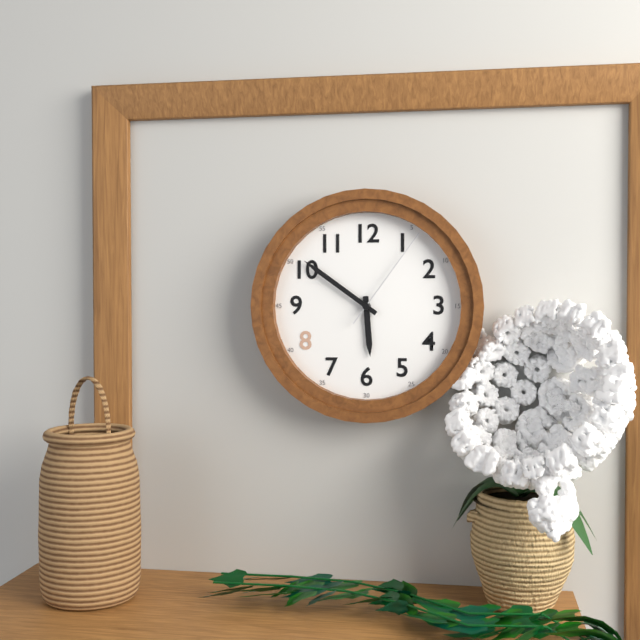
5h51m06s
